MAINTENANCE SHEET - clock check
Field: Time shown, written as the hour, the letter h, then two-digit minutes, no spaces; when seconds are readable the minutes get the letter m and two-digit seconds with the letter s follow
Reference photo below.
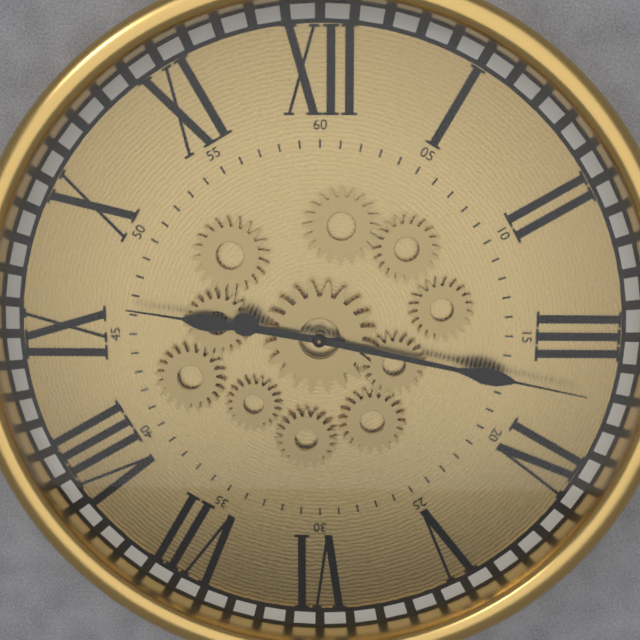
9h17
